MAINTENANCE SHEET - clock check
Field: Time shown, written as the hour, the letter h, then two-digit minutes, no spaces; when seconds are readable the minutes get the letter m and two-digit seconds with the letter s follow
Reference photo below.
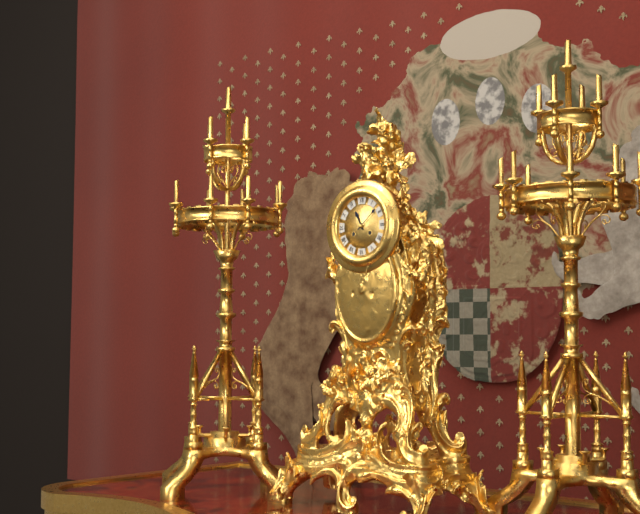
11h08
